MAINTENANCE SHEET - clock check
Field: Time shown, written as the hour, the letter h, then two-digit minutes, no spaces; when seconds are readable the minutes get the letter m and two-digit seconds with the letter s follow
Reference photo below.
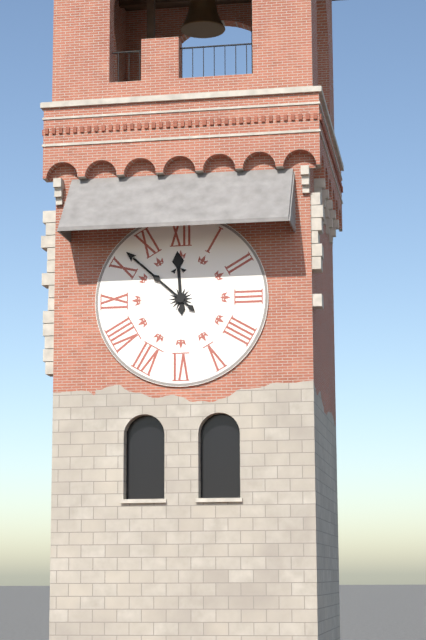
11h52
